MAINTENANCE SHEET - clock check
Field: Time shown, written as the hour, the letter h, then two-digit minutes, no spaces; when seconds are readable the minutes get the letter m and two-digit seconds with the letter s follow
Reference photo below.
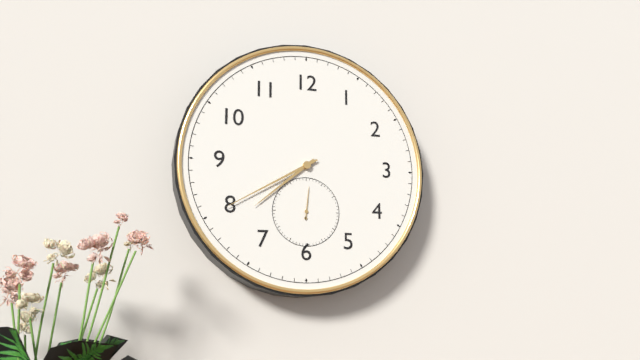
7h40
